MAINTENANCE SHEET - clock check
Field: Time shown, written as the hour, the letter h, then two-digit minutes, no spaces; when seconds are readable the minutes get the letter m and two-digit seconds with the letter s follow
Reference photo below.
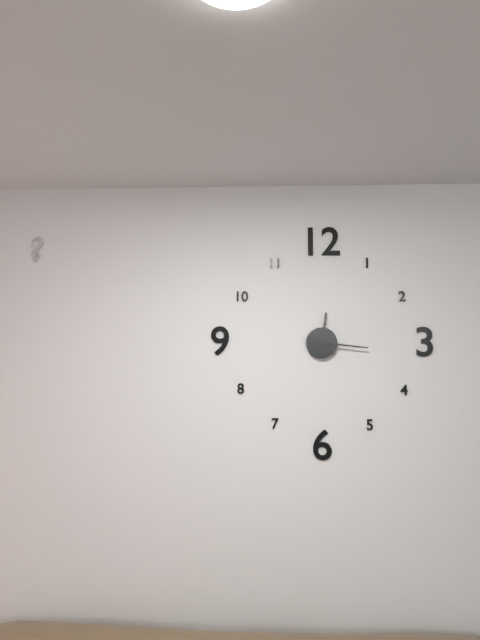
12h16
